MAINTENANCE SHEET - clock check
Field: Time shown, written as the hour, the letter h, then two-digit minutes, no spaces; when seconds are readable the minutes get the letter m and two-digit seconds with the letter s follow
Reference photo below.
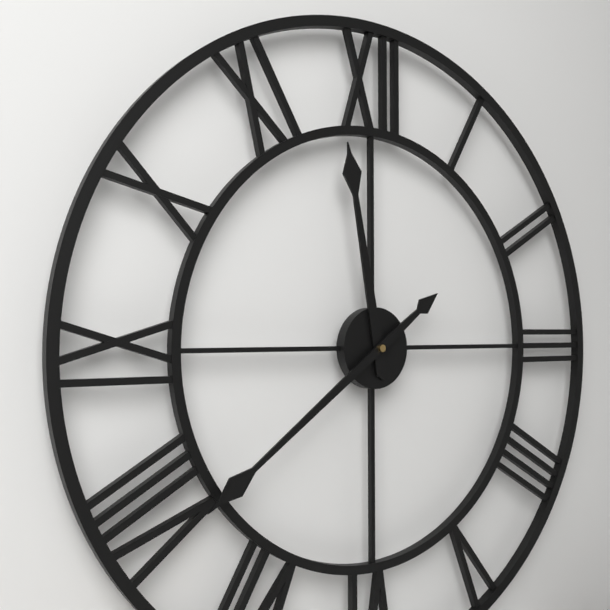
11h39
